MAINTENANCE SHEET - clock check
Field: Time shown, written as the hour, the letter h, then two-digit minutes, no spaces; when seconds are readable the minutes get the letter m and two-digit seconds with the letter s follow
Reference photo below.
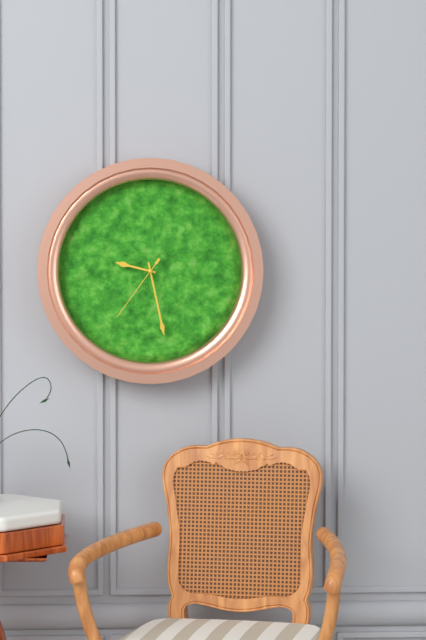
9h28m36s
